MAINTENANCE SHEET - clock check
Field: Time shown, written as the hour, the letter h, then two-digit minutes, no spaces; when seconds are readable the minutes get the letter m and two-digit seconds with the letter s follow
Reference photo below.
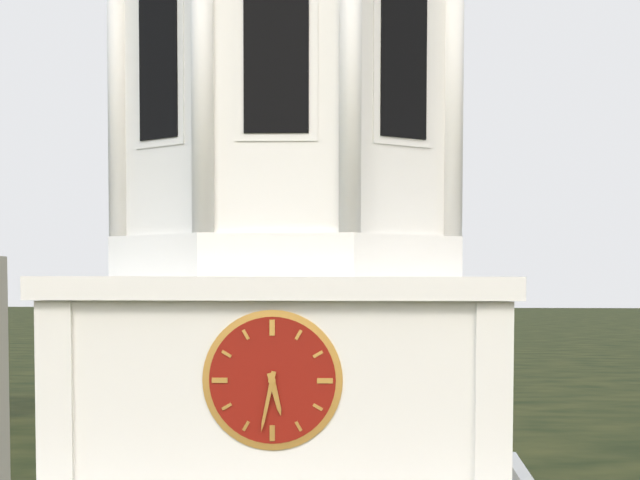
5h32
